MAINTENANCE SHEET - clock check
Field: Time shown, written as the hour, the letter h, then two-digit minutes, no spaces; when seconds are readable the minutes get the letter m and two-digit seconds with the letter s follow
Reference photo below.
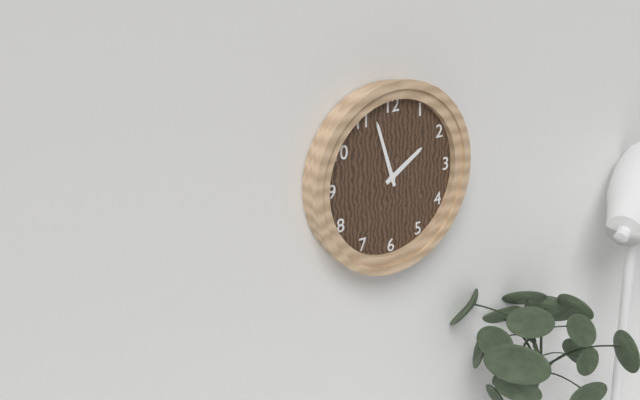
1h57
